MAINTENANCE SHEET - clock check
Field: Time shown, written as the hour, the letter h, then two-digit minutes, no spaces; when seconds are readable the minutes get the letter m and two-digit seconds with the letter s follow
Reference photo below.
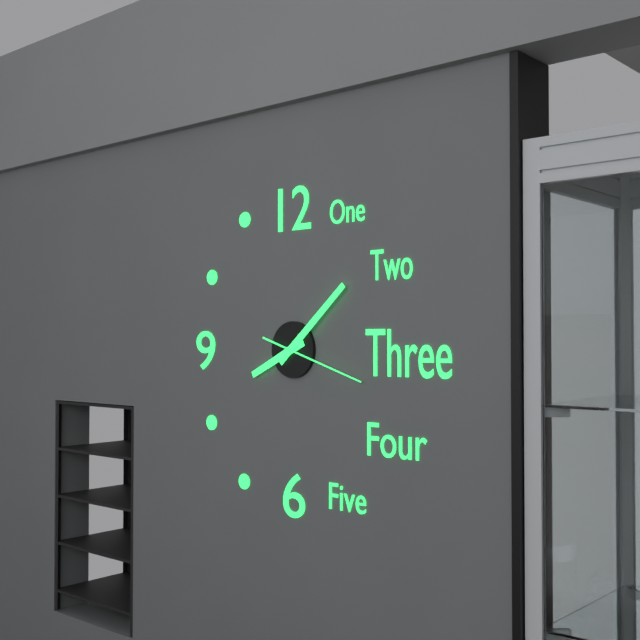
8h08m18s
